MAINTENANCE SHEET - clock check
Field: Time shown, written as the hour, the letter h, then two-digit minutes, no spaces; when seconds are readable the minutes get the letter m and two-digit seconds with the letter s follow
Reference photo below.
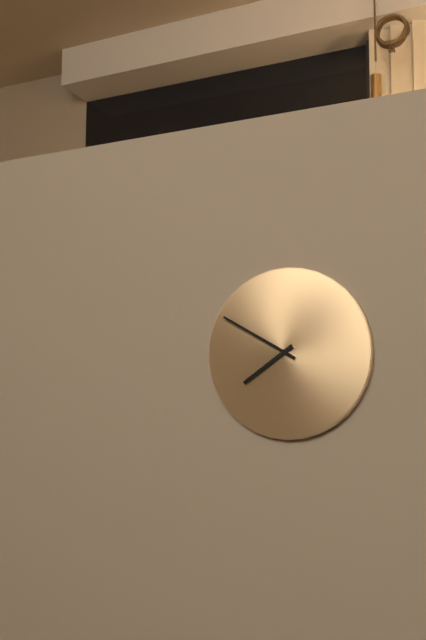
7h50
